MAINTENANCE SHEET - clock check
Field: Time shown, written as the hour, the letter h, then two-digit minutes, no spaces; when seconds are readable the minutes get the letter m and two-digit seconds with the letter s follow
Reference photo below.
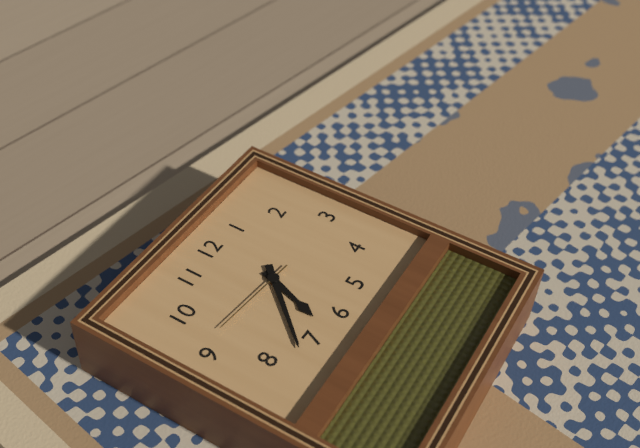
6h37m46s
